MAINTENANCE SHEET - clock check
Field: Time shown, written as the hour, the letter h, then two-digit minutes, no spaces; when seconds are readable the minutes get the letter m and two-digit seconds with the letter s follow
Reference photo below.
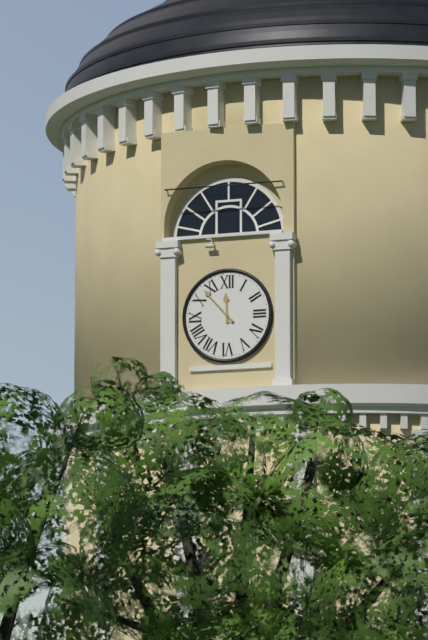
11h53
